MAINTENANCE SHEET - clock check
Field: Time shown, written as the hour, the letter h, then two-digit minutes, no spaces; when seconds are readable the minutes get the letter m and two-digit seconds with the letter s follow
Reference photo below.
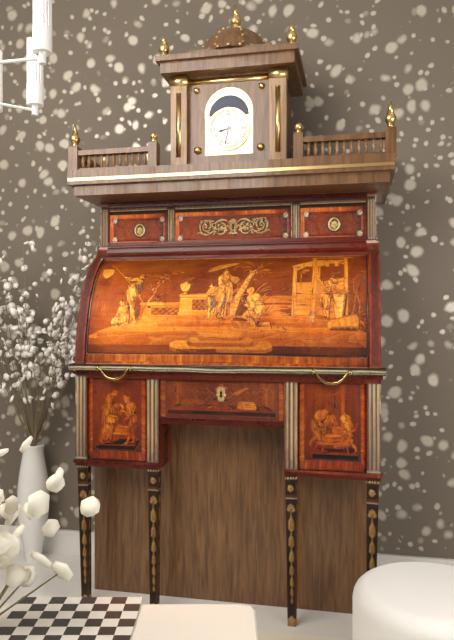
8h32
